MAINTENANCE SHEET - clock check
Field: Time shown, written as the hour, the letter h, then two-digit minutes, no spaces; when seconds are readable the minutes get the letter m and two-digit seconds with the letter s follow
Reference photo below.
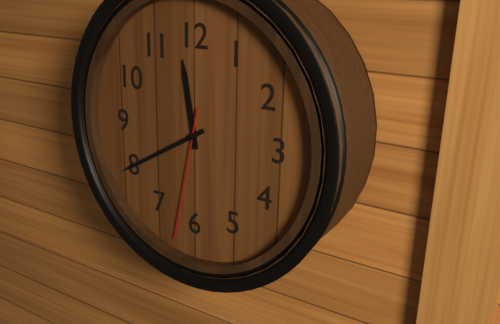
11h40m32s
